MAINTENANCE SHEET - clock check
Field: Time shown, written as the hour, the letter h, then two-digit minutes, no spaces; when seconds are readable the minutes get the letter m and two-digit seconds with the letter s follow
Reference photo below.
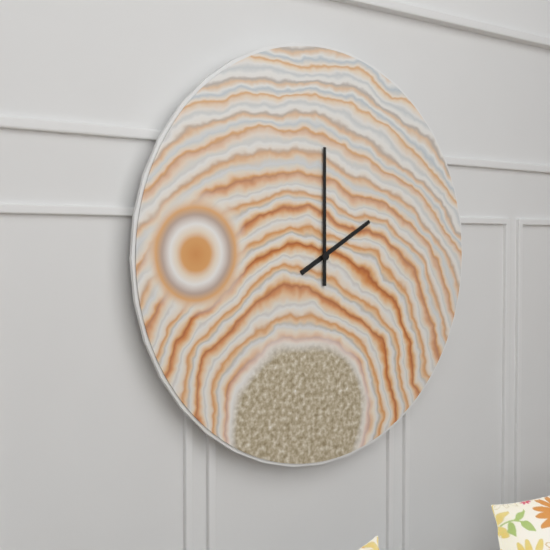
2h00
